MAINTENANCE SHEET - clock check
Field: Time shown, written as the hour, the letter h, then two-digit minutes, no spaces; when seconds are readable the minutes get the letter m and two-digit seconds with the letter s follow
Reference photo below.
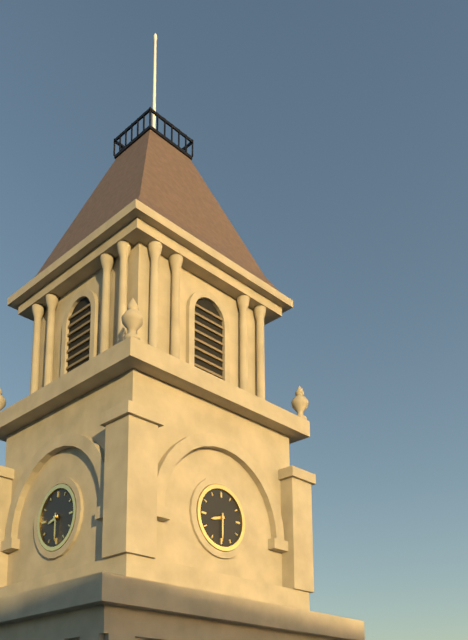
8h30
